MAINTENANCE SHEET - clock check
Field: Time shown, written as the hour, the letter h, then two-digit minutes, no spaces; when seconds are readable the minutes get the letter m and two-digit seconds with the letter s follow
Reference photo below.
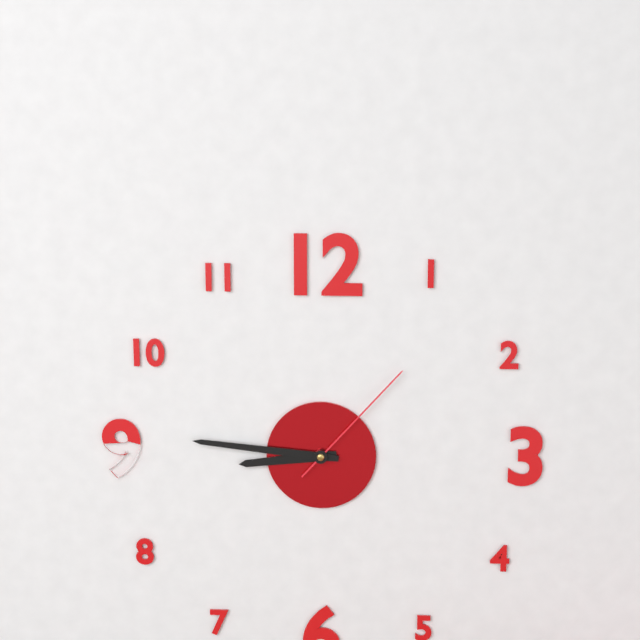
8h46m07s
